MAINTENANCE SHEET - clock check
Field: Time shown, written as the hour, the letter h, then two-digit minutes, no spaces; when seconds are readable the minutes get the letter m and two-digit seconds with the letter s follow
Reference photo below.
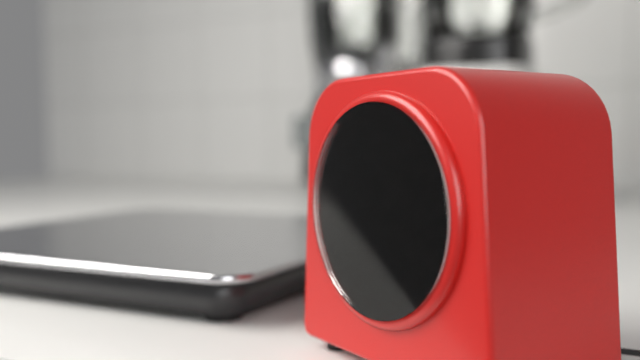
5h02
